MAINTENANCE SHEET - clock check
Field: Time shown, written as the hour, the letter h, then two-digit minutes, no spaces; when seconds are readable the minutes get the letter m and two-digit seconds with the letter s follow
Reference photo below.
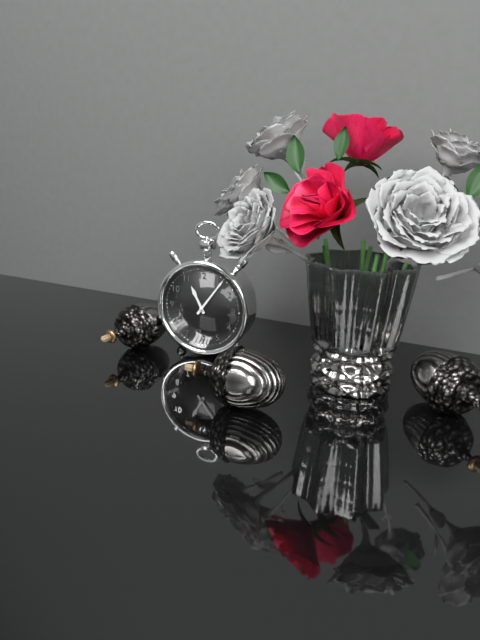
11h06
